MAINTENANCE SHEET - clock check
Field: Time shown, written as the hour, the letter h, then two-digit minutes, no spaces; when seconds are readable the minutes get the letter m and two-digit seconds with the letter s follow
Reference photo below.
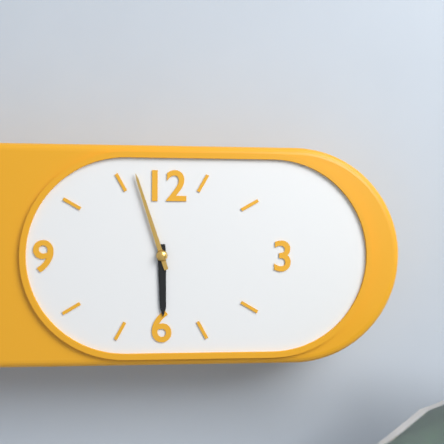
5h57
